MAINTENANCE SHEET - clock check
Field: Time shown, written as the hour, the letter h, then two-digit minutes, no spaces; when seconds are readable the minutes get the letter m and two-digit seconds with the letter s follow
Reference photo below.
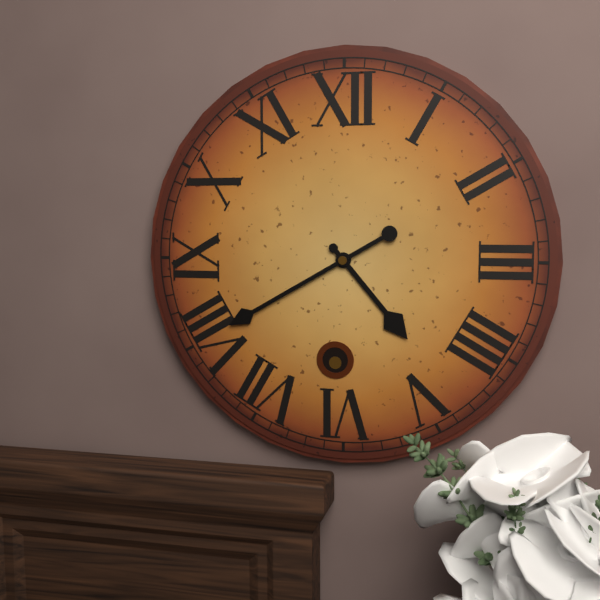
4h40
